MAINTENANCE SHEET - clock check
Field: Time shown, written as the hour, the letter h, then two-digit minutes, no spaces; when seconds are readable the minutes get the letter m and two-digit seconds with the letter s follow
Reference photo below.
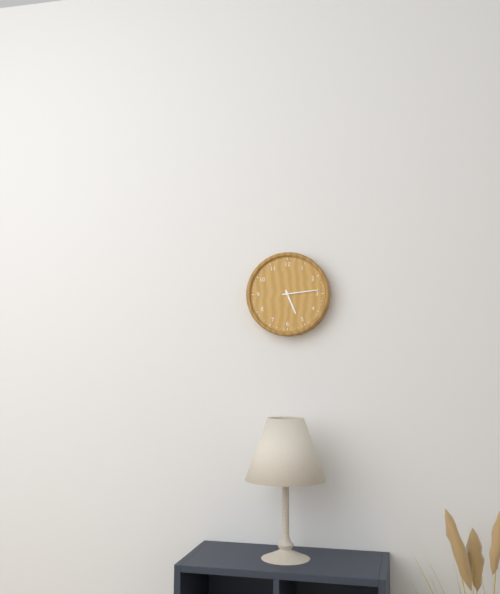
5h14
